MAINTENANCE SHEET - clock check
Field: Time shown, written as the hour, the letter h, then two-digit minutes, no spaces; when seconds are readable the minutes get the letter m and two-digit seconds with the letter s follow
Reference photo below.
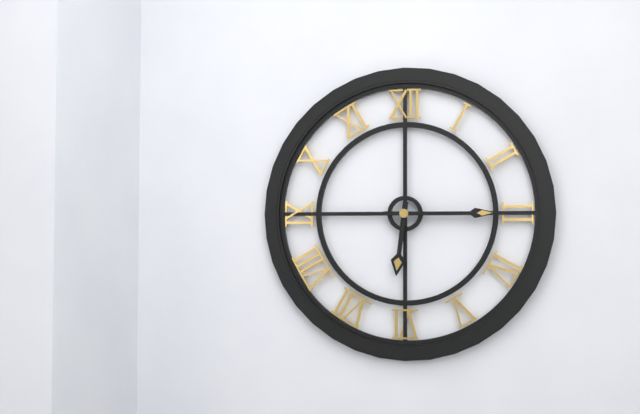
6h15
